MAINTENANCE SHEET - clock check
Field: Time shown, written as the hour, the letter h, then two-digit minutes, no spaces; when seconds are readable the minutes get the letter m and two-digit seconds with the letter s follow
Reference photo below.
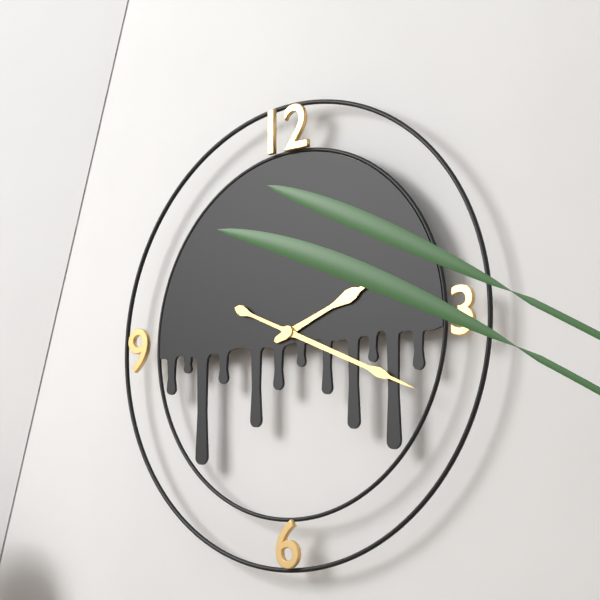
2h19
